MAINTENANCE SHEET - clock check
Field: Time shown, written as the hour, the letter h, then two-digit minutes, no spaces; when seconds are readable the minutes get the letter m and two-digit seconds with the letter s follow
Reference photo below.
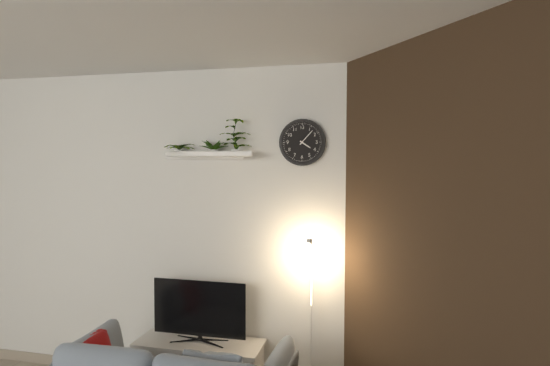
4h07
